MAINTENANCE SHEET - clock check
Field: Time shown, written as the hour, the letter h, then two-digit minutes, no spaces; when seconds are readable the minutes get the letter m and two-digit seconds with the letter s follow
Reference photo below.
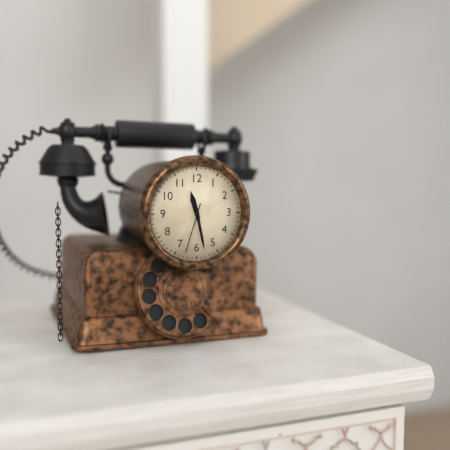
11h28m33s
